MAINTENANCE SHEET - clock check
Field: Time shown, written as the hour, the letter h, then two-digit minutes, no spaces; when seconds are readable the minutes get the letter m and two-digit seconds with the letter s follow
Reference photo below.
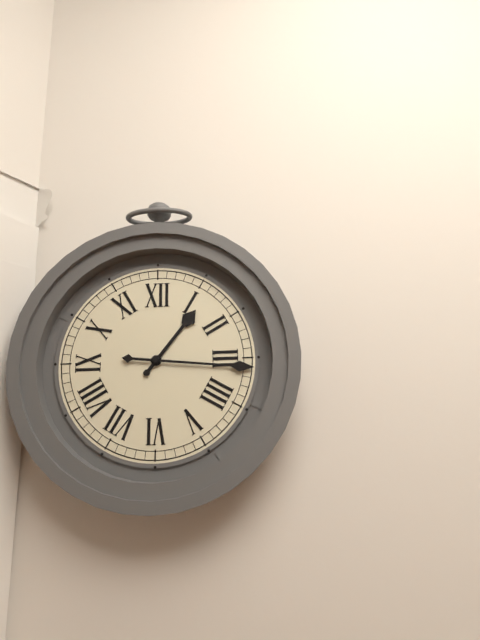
1h16
